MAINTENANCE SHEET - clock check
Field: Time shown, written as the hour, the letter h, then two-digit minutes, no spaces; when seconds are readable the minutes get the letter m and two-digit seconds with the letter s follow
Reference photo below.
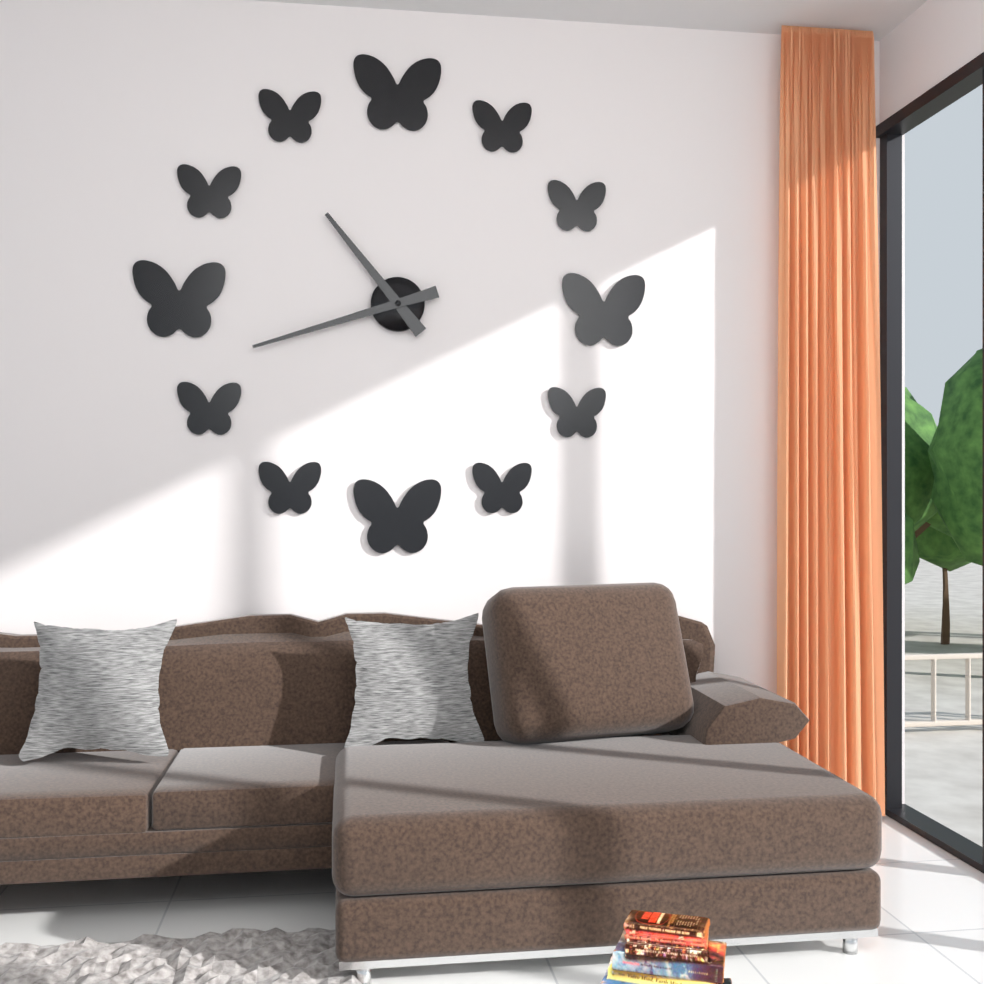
10h42
